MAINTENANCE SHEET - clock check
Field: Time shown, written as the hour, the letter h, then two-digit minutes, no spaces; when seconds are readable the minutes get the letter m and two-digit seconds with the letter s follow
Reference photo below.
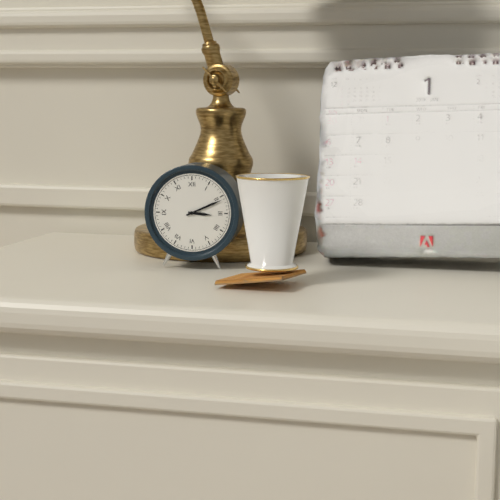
3h11
